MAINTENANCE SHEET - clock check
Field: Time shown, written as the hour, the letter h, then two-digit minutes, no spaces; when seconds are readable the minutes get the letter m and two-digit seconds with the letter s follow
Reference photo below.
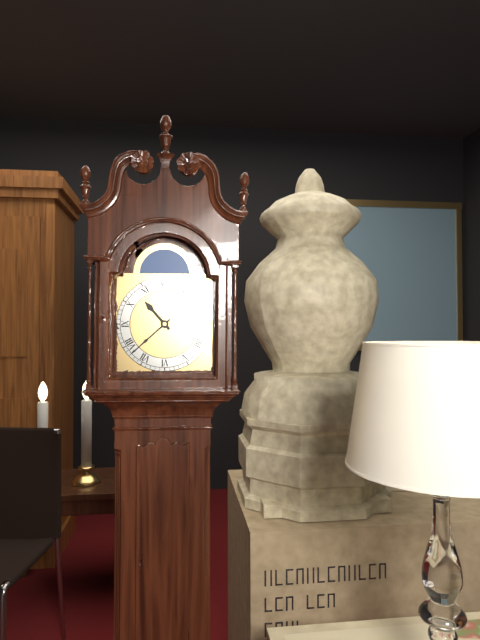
10h38
